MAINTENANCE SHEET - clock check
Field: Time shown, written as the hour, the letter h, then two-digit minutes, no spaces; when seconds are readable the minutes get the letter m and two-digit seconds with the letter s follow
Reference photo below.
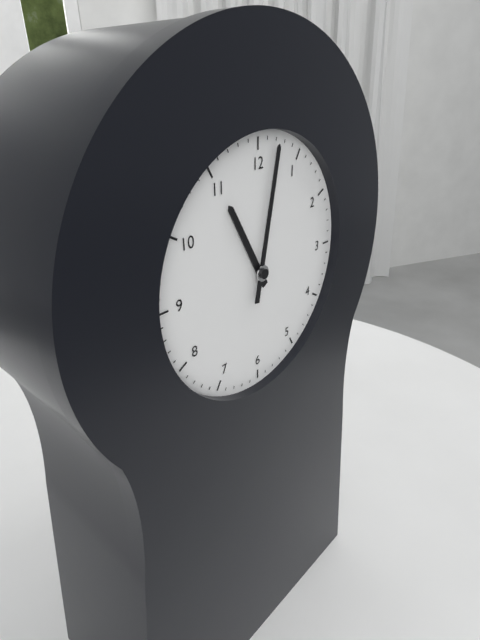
11h02
